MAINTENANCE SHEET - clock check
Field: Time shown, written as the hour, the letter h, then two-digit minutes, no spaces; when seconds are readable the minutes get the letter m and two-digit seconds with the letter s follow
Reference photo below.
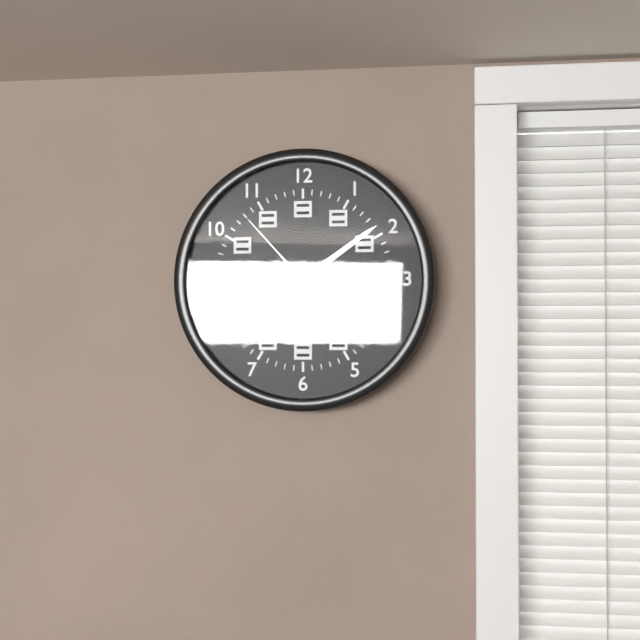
8h09m53s
